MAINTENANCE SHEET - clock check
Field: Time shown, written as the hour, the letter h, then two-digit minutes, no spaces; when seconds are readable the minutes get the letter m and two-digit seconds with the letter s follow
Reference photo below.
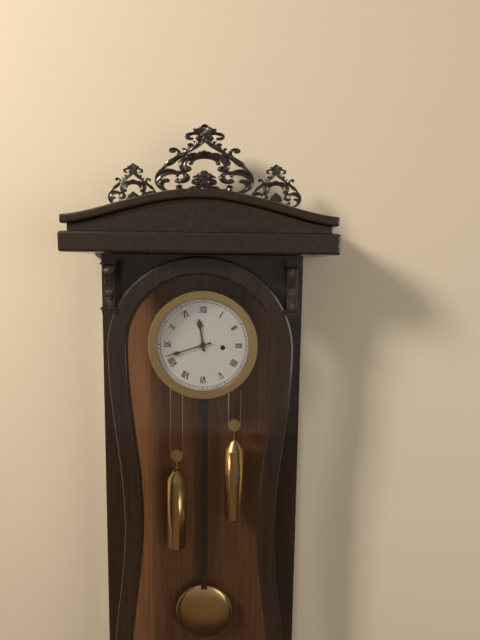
11h42
